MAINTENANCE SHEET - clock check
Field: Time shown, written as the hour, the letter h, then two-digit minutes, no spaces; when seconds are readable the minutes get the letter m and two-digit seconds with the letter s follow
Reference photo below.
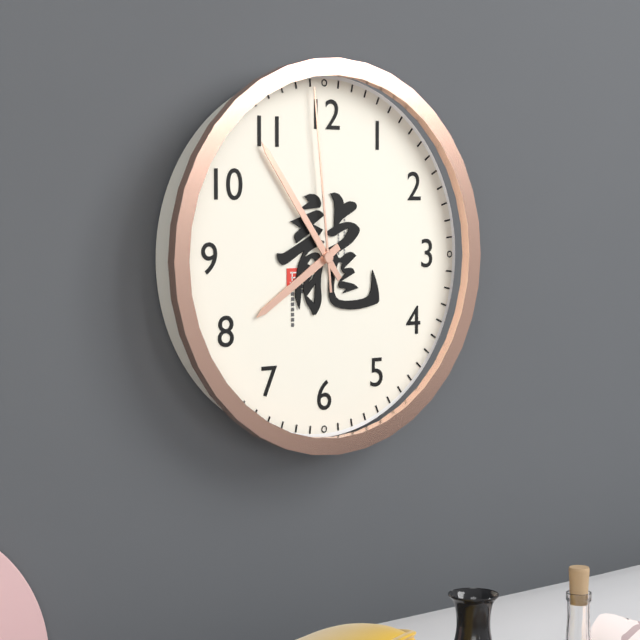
7h54m59s
